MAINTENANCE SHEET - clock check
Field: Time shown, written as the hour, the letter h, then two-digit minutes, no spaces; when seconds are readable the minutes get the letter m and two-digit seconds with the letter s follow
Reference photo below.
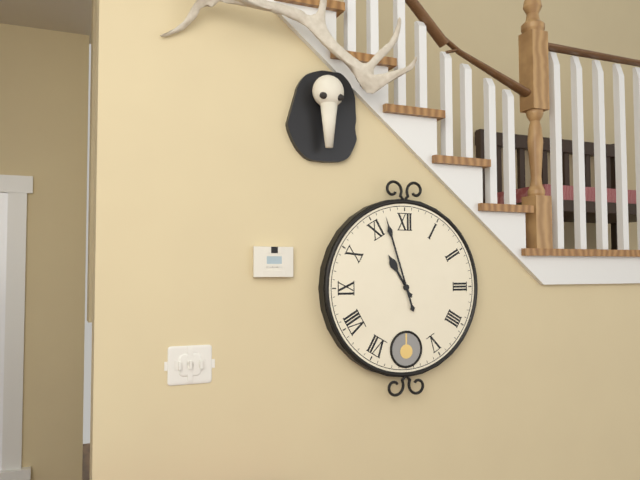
10h57
